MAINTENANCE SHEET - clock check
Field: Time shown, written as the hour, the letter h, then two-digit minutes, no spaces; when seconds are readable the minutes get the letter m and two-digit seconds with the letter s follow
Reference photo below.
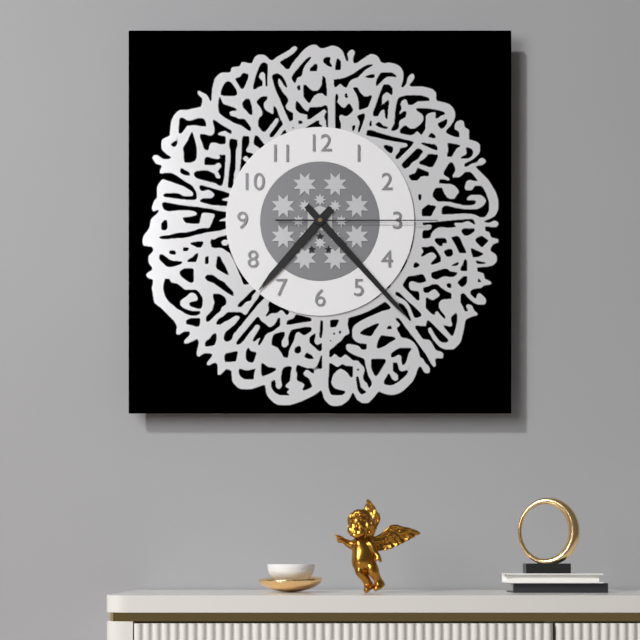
7h23m15s
